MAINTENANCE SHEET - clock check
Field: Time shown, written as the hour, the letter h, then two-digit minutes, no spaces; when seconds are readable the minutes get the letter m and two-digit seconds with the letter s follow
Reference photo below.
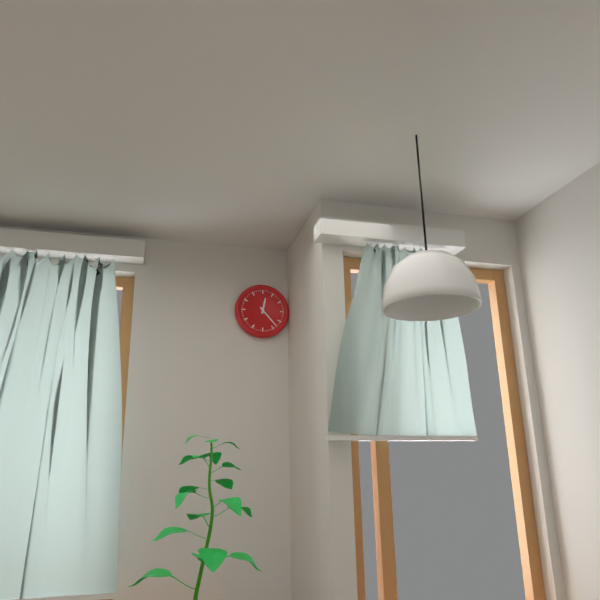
12h23
